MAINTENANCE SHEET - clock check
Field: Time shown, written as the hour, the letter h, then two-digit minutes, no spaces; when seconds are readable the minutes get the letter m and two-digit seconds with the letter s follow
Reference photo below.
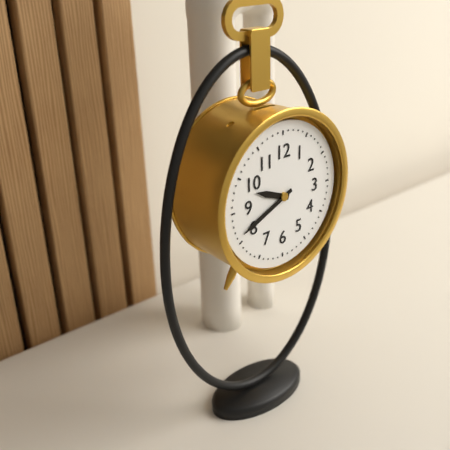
9h41
